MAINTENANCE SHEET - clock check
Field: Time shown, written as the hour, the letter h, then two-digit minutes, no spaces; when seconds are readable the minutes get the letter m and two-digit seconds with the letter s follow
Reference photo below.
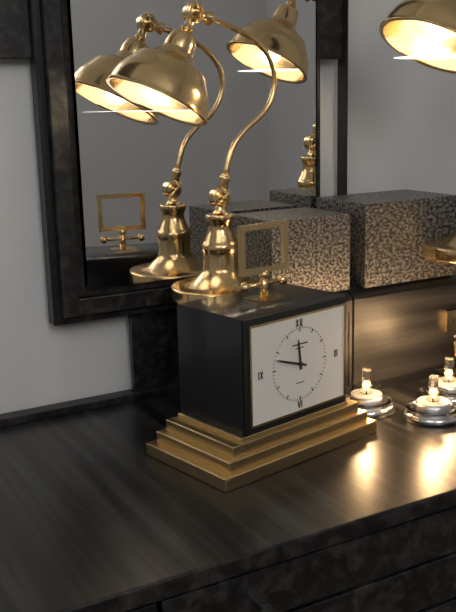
11h48
